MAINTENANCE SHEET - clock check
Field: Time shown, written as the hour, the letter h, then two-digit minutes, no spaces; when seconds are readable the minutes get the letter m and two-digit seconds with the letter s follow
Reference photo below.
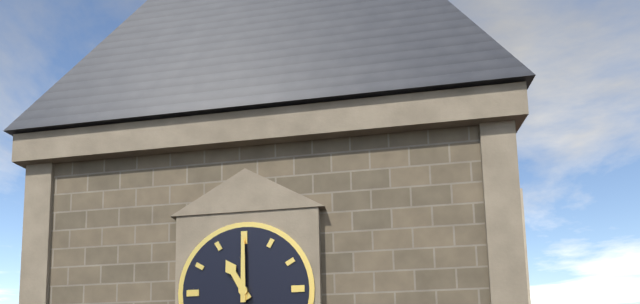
11h00
